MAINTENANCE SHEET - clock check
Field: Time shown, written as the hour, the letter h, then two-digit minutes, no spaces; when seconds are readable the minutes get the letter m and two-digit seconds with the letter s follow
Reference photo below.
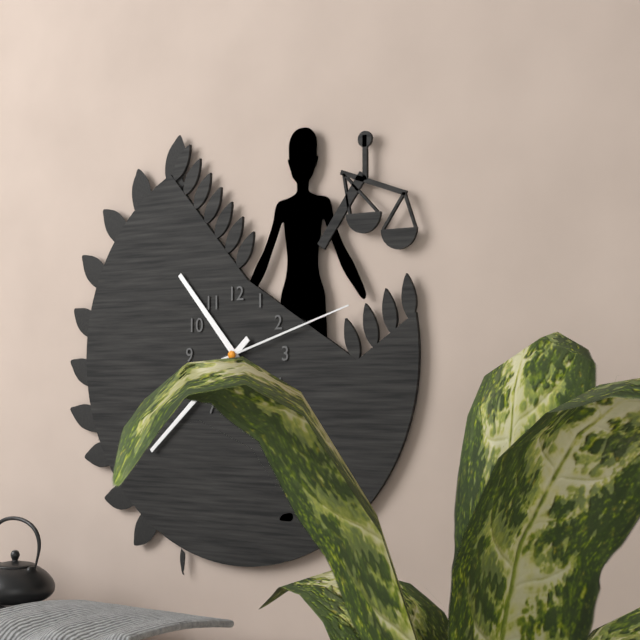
10h38m12s
